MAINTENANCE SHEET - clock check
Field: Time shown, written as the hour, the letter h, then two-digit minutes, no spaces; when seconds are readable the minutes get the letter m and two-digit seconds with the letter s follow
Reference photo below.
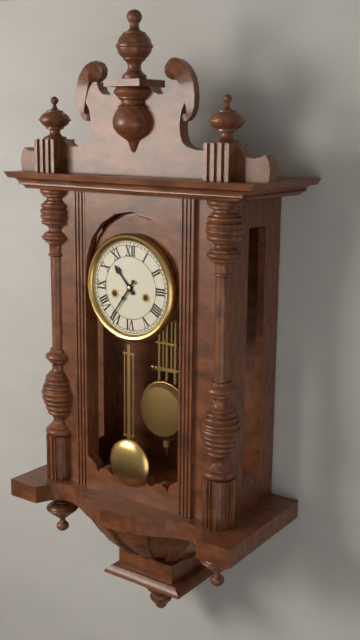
10h36
